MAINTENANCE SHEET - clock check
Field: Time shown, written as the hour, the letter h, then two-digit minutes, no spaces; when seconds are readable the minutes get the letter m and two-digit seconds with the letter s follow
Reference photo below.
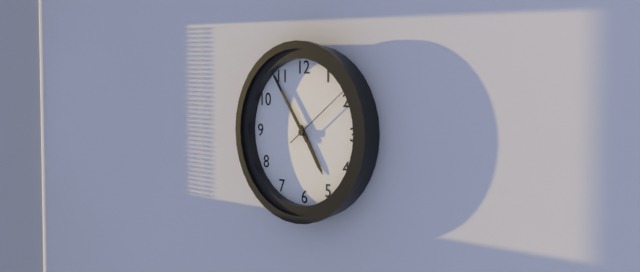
4h54m09s
